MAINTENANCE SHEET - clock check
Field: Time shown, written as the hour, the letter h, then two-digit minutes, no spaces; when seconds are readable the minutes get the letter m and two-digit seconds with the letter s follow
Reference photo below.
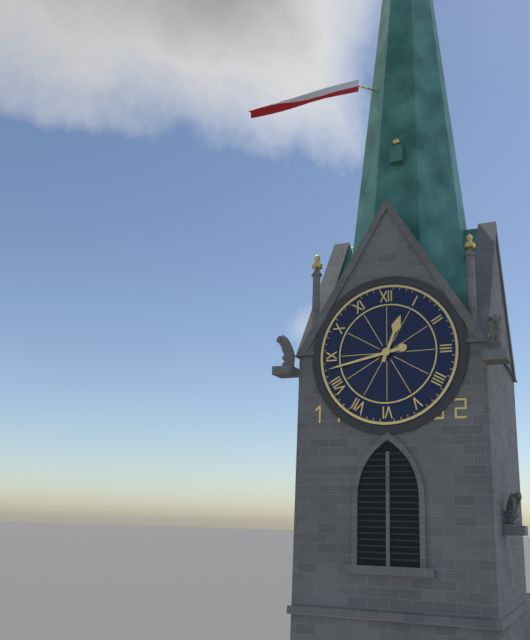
12h43
